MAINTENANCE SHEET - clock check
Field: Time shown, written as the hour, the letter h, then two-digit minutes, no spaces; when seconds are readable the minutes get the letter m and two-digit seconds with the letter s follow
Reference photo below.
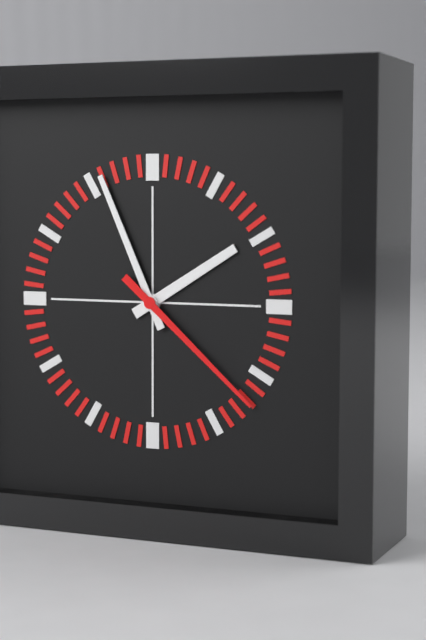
1h56m22s
